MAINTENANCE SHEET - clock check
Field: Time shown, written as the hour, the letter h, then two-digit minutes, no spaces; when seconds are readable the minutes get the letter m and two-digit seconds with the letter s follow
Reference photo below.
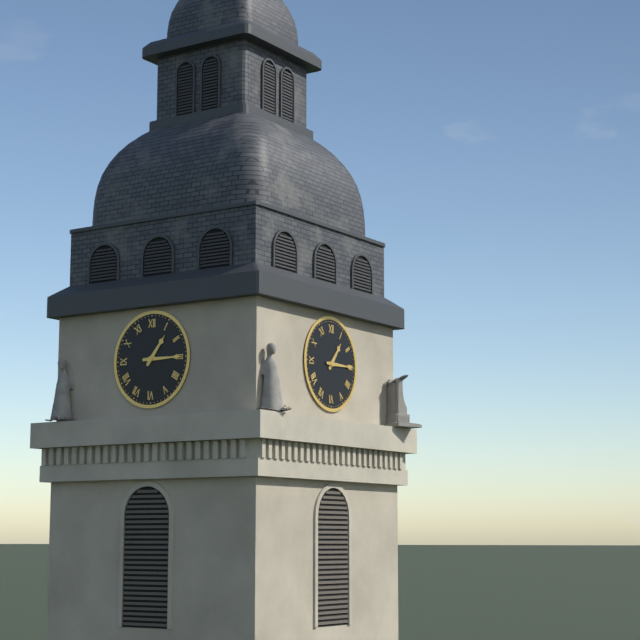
1h15
